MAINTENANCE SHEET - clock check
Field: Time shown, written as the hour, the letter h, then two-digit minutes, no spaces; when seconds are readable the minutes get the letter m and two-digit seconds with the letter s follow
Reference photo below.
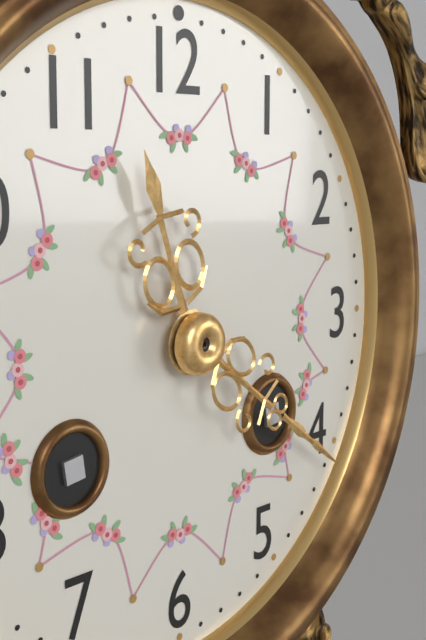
11h21
